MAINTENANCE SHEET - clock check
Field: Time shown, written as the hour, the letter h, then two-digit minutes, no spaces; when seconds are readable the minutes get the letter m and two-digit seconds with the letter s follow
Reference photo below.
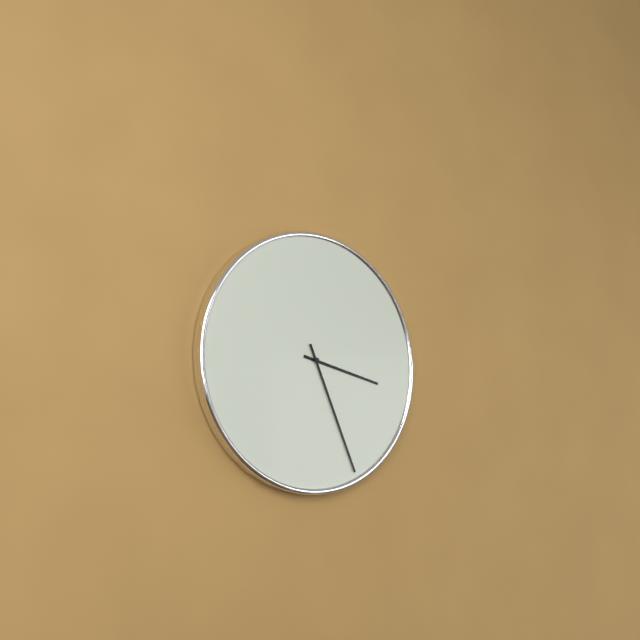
3h26
